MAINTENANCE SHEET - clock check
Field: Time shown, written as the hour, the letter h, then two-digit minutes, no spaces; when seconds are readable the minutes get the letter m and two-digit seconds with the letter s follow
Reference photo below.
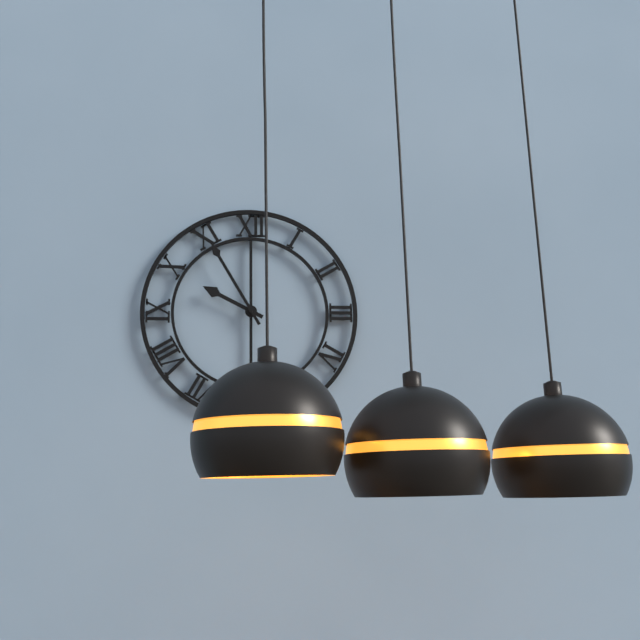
9h55
